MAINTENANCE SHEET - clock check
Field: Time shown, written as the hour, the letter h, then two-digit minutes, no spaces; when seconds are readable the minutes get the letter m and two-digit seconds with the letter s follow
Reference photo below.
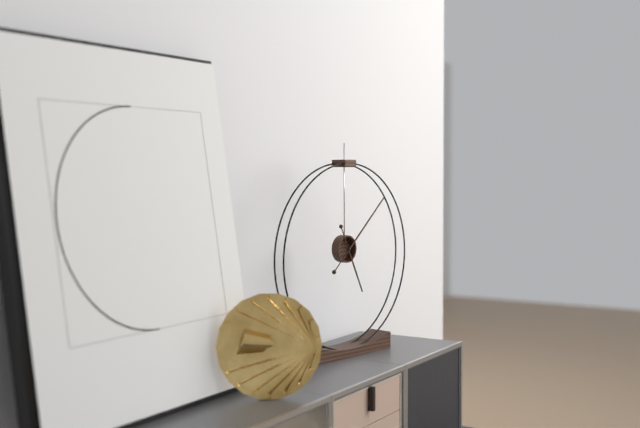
5h08
